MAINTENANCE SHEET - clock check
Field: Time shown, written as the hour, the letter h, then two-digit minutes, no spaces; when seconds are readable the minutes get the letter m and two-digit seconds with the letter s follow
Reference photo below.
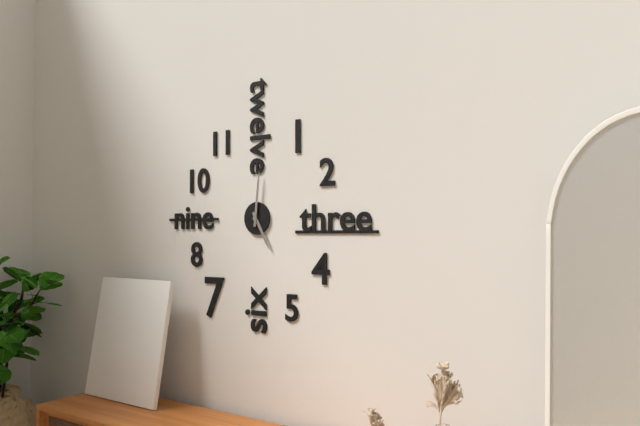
5h01
